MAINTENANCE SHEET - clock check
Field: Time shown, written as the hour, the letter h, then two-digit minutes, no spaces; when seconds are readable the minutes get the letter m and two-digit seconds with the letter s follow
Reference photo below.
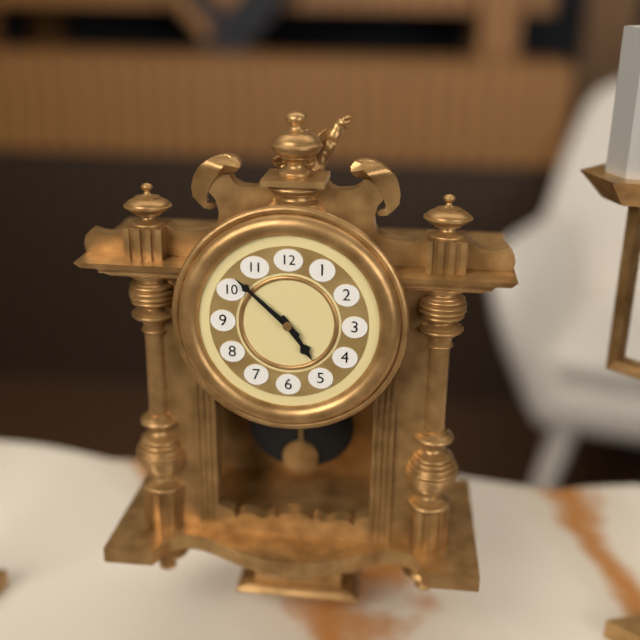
4h52
